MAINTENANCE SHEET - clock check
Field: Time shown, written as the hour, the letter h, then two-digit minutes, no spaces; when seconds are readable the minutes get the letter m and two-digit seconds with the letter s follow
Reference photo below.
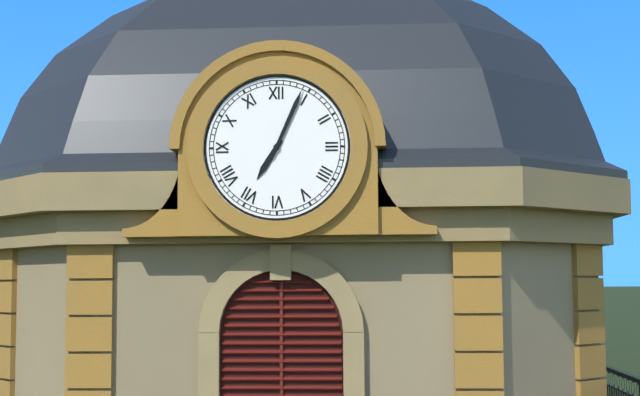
7h04
